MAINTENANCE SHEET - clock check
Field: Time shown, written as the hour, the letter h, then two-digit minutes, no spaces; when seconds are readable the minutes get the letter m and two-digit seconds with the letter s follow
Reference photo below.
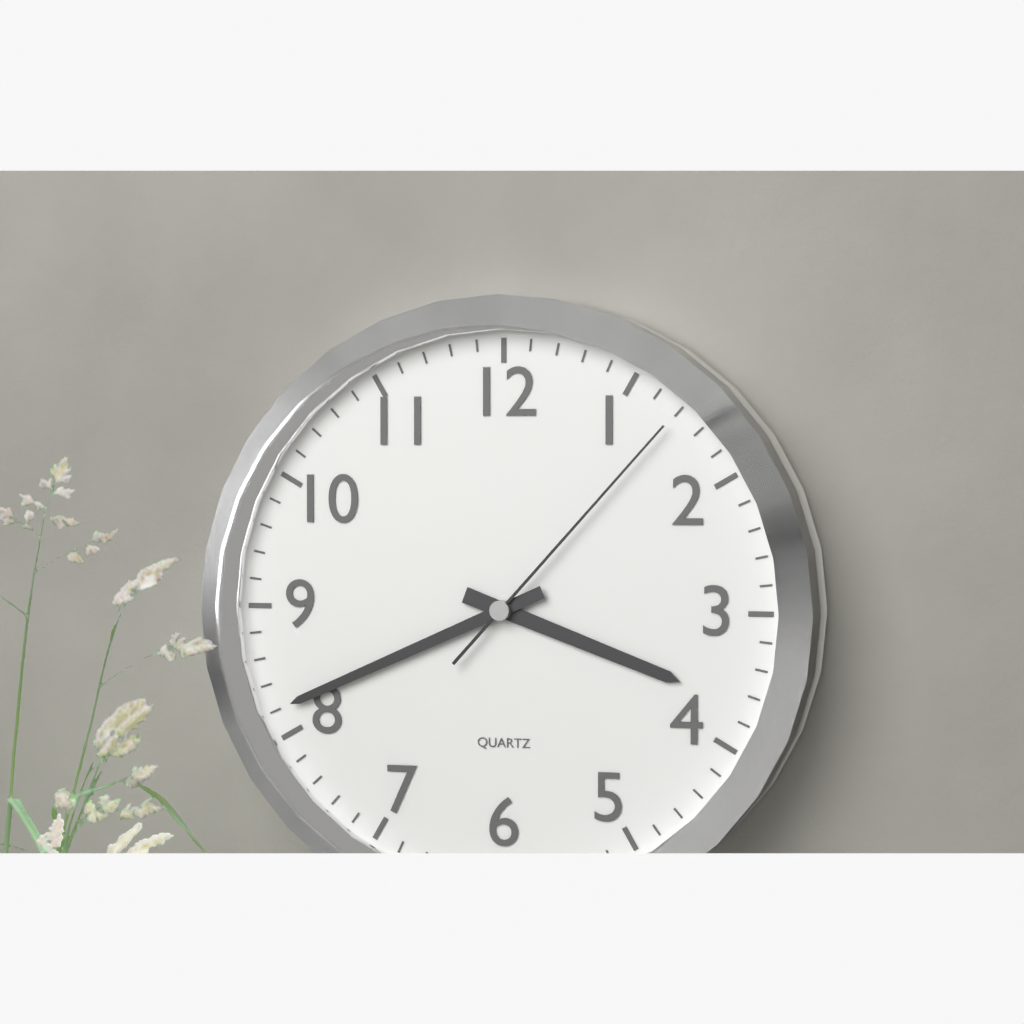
3h41m07s
